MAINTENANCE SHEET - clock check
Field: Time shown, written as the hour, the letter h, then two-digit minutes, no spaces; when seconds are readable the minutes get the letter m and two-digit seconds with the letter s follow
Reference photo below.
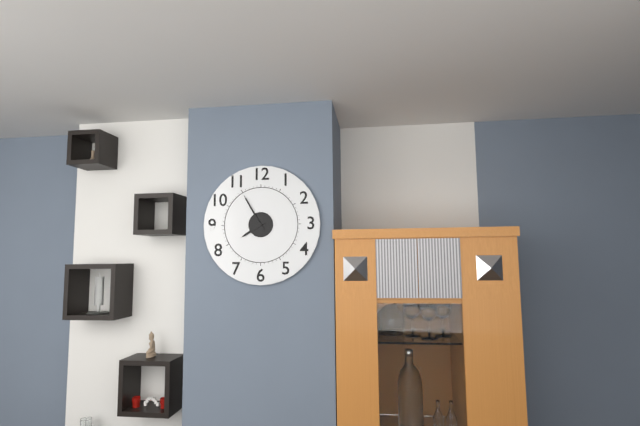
7h55
